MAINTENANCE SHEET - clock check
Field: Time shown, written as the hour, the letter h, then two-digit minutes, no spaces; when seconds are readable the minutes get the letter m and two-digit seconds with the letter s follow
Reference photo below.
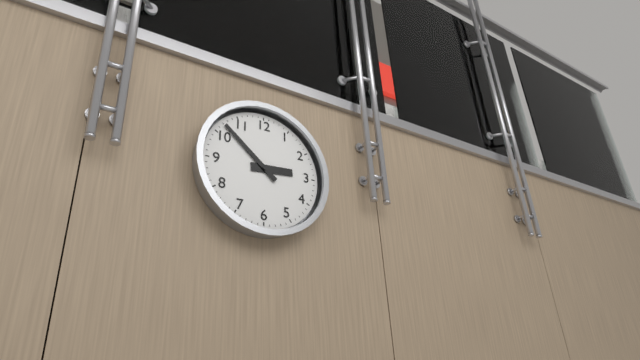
2h52
